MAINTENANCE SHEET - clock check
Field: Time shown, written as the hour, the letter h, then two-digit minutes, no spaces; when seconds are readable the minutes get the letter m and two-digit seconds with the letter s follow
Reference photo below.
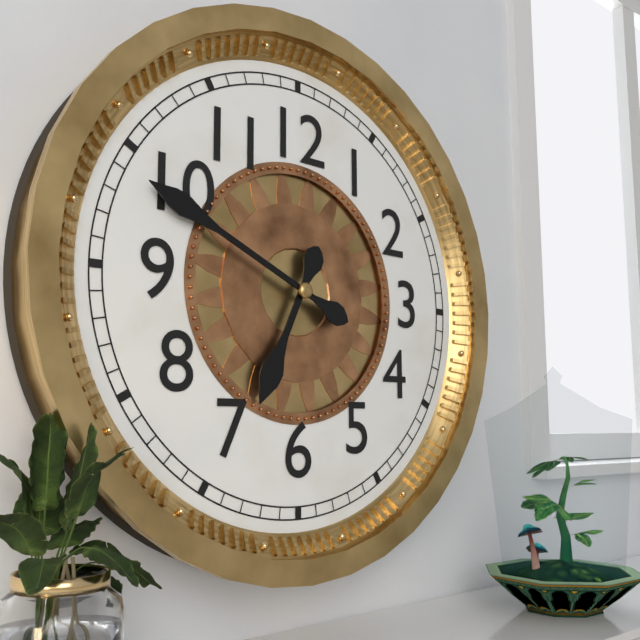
6h49
